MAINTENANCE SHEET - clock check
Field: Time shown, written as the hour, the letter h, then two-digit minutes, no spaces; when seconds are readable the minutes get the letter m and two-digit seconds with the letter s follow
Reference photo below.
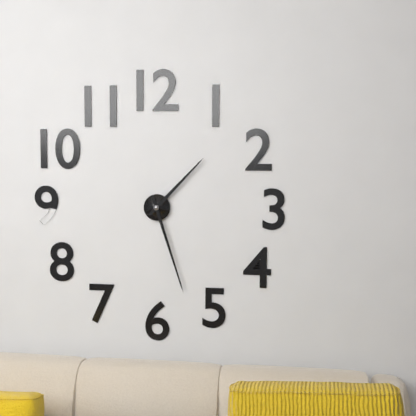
1h27
